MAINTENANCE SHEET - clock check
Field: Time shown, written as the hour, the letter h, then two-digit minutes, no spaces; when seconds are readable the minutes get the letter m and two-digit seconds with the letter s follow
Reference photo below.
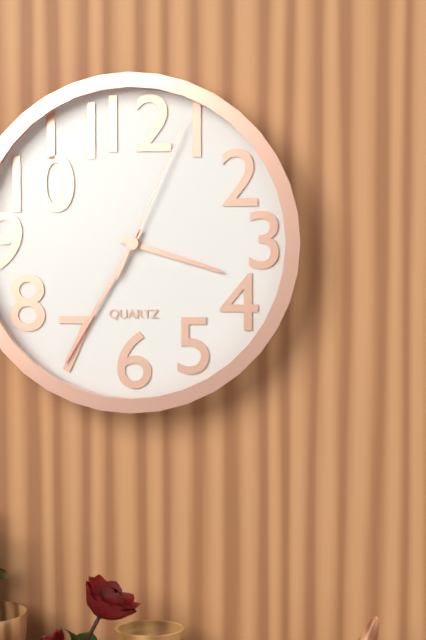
3h35m04s
